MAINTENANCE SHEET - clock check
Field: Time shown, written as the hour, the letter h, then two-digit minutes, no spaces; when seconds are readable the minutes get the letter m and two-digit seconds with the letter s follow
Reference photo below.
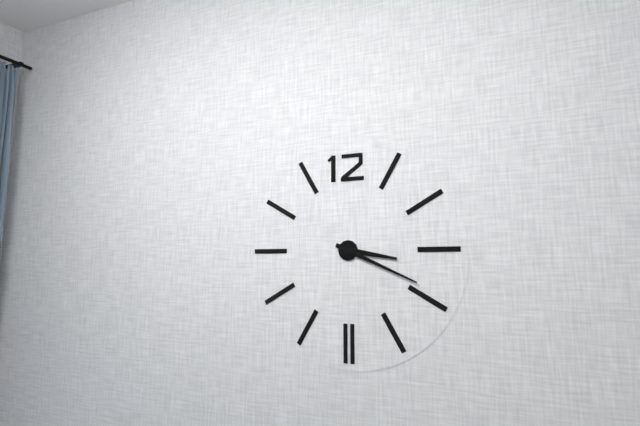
3h19
